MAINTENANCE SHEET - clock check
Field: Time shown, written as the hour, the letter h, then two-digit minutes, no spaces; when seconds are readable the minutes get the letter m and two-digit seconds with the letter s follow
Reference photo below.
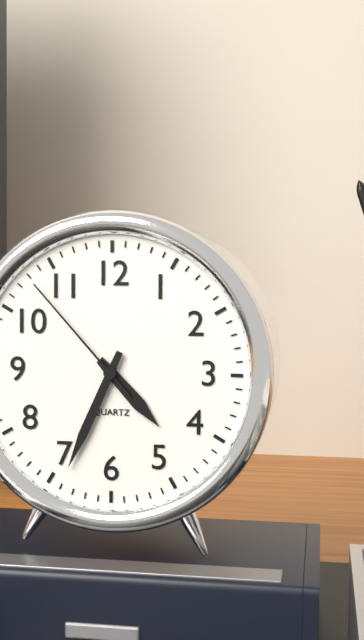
4h34m53s
